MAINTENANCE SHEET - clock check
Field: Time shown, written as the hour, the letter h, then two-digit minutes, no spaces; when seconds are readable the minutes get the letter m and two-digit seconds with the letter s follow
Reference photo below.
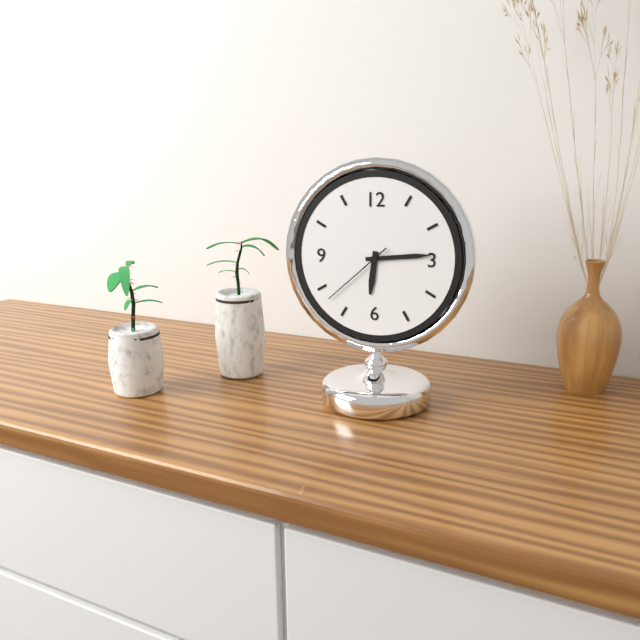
6h14m38s
